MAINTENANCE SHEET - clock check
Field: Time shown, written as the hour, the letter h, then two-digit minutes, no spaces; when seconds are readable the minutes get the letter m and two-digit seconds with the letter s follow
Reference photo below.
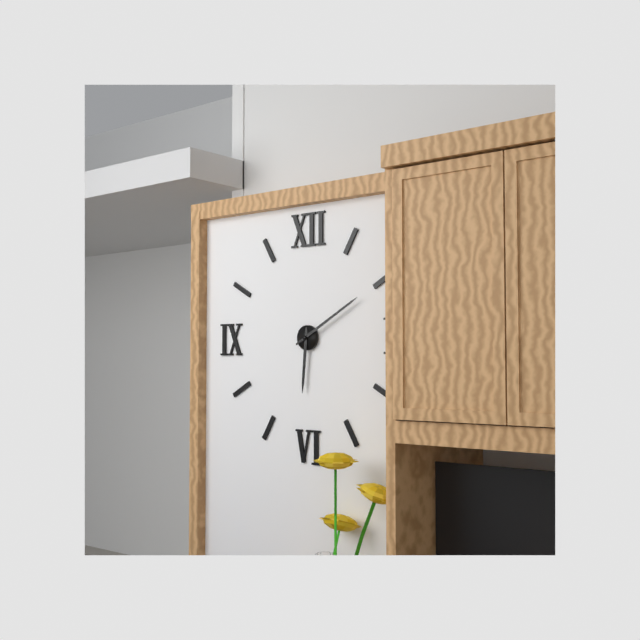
6h10
